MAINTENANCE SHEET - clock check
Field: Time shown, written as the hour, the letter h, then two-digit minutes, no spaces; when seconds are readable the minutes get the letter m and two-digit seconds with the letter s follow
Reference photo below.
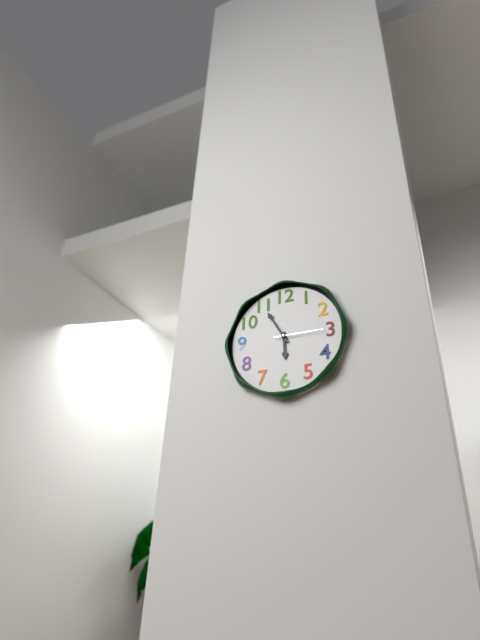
5h55m15s
